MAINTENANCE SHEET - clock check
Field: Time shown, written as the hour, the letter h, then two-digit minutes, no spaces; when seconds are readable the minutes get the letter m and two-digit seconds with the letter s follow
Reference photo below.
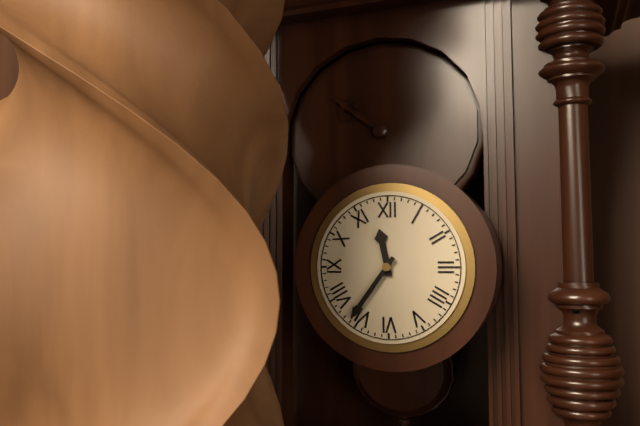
11h36
